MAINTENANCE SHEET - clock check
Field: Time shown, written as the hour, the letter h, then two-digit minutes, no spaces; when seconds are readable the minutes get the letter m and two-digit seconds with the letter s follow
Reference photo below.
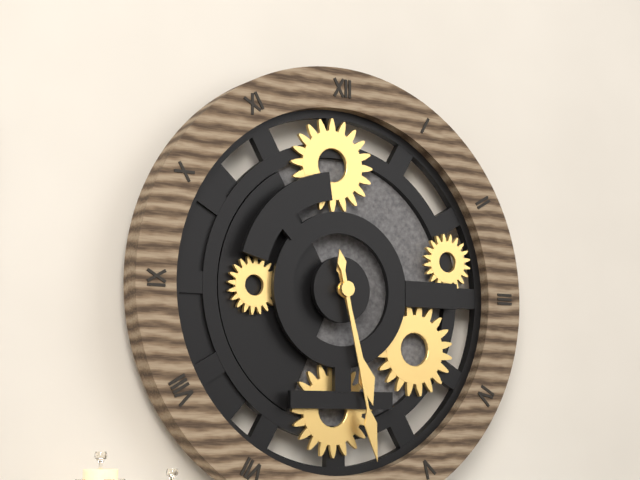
5h28
